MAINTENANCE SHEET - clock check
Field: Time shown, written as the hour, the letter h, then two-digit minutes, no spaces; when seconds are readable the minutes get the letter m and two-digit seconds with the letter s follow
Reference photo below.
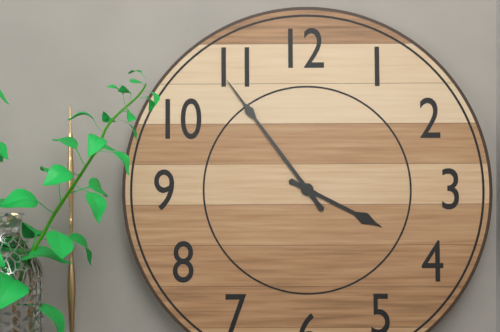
3h54
